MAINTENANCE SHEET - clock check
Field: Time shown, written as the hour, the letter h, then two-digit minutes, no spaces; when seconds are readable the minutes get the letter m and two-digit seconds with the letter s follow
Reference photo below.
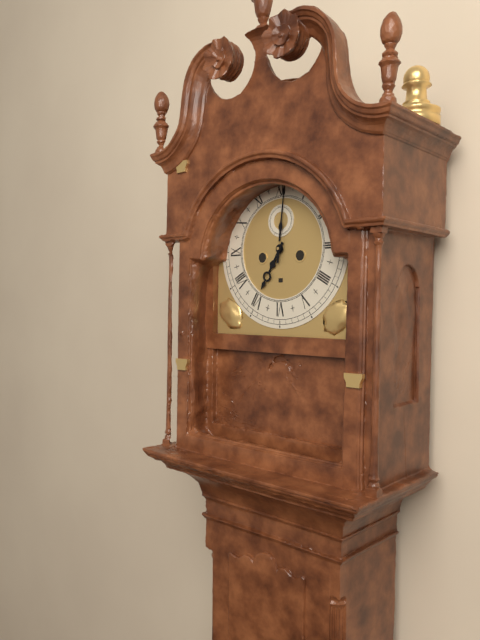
7h01
